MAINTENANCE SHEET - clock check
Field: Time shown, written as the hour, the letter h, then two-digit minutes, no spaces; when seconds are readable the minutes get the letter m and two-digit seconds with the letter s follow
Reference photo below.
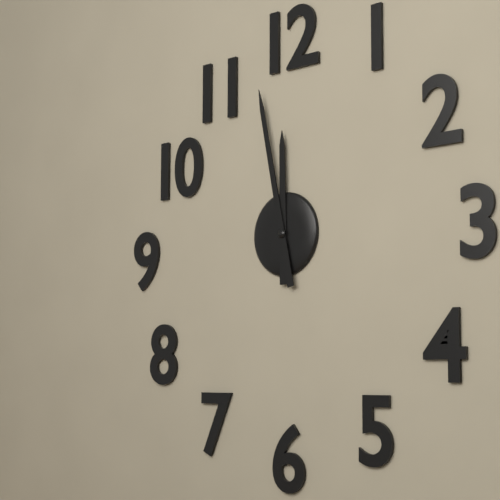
11h58
